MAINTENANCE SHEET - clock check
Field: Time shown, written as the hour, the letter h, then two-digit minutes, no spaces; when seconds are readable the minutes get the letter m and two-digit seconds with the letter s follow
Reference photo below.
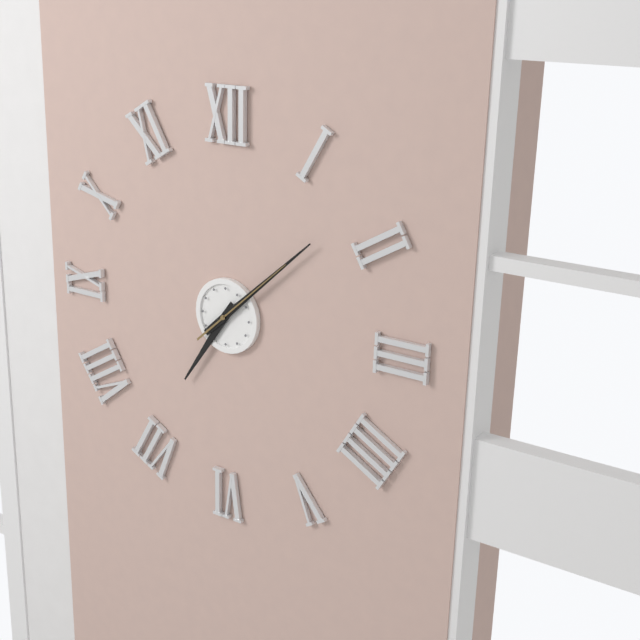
7h08m08s
